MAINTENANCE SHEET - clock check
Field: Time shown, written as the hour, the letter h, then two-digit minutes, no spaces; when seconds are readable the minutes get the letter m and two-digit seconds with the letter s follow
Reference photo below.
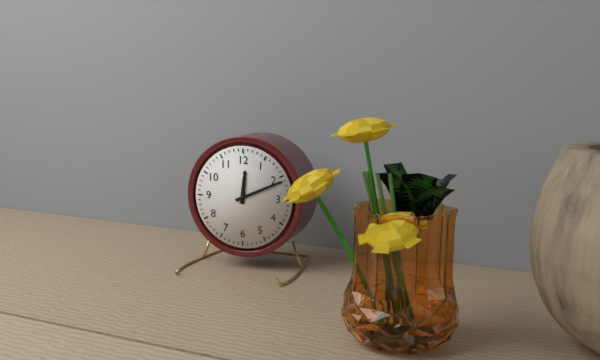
12h11
